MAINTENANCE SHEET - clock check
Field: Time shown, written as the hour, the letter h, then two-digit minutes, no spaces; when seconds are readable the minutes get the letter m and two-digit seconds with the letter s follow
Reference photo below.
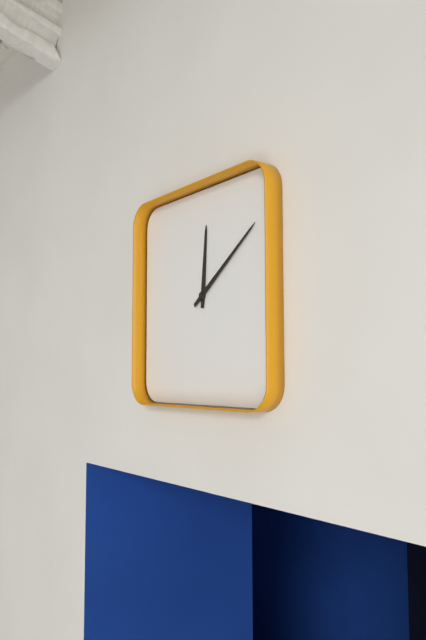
12h09
